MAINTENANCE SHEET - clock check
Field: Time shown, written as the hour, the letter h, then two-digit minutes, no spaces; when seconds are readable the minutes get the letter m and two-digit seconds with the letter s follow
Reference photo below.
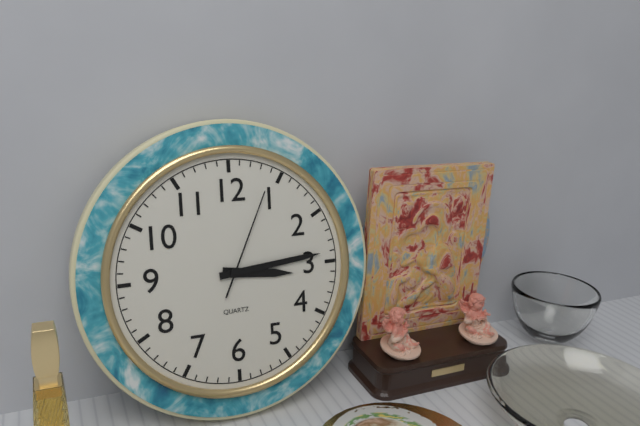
3h14m04s
